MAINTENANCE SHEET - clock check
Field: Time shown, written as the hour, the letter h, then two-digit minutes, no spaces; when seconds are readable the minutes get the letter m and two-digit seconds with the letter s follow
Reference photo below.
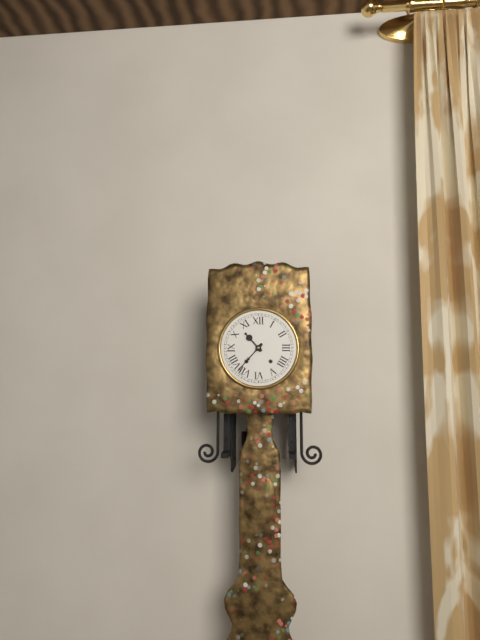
10h37
